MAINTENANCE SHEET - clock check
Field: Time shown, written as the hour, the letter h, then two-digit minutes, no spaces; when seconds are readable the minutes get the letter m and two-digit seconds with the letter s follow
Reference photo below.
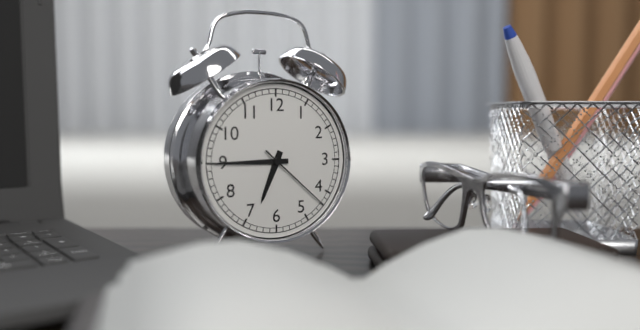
6h45m22s
